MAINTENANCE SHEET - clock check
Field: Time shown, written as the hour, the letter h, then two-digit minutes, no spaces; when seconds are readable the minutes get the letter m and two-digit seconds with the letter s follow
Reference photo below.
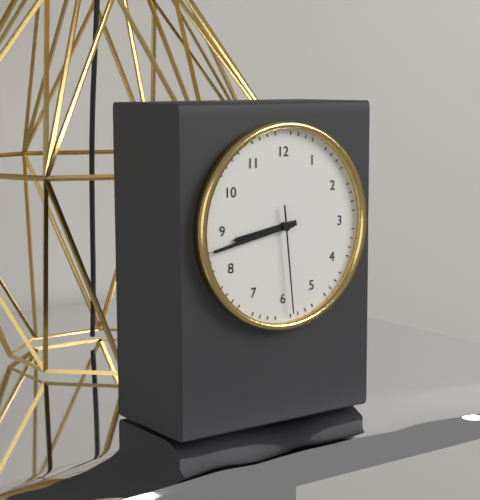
8h43m29s
